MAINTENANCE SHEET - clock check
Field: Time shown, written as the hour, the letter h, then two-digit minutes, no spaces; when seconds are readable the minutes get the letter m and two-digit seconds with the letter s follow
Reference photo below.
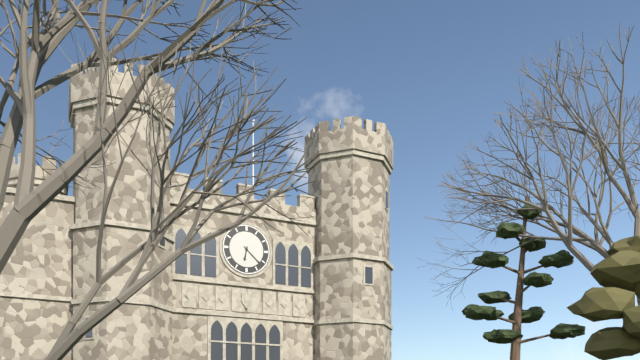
6h22
